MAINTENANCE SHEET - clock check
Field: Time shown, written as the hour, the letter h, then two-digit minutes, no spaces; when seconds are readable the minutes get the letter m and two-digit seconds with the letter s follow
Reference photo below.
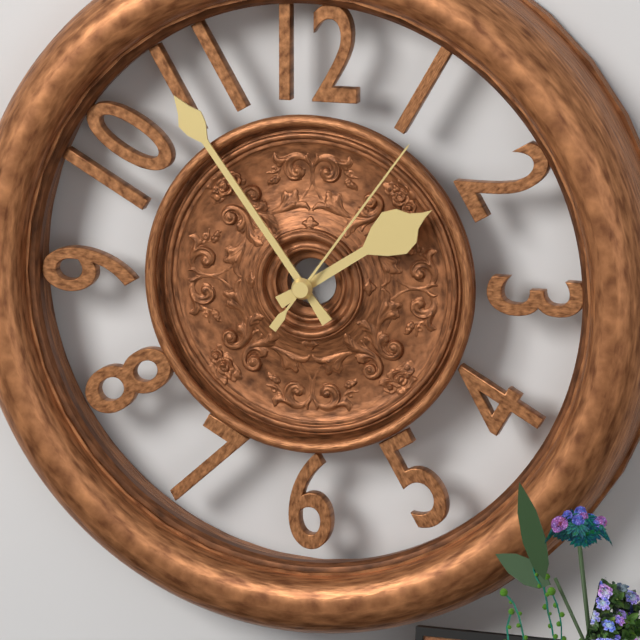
1h54m06s
